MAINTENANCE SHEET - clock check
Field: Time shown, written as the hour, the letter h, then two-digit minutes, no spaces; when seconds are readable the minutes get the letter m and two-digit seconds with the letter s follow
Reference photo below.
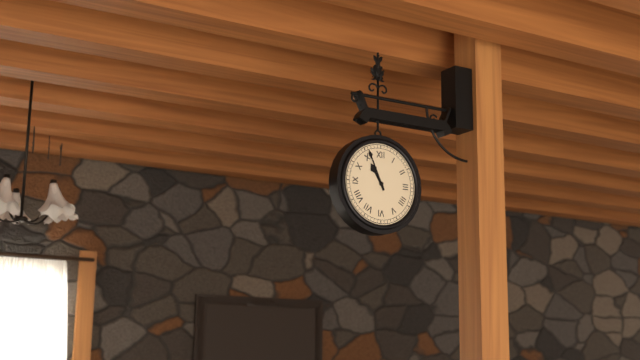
10h56
